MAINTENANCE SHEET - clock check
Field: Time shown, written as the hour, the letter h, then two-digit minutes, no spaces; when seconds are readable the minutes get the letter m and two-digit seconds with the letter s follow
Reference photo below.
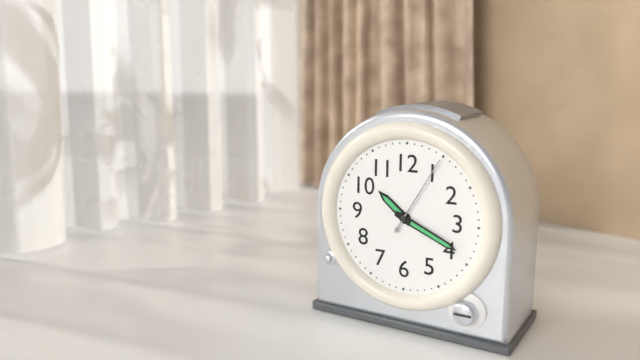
10h19m05s
